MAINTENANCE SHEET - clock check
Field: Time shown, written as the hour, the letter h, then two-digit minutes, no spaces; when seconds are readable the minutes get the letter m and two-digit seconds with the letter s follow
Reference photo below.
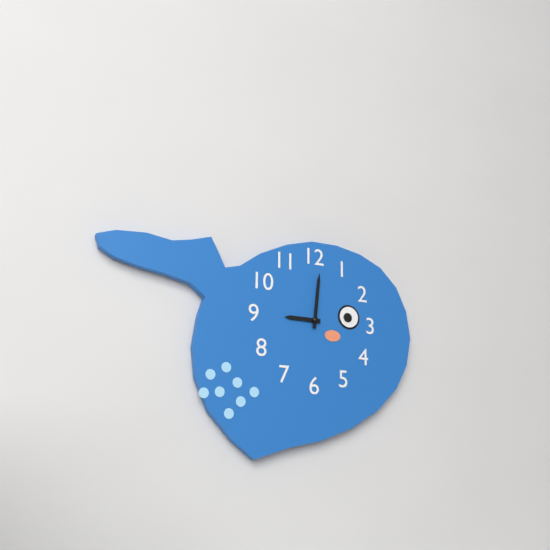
9h01
